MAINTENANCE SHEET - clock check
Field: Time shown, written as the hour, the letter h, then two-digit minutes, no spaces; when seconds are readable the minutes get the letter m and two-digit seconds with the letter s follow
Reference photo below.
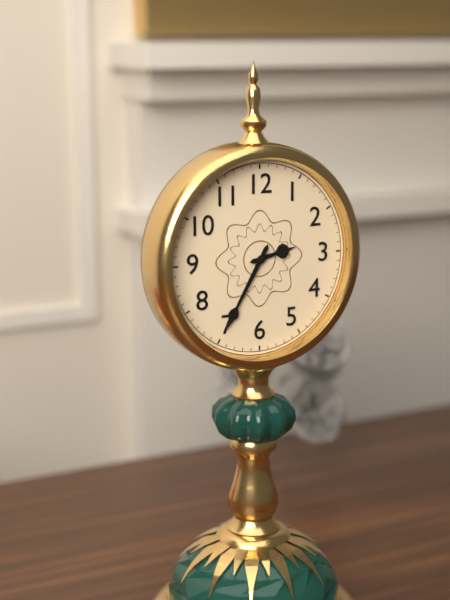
2h35
